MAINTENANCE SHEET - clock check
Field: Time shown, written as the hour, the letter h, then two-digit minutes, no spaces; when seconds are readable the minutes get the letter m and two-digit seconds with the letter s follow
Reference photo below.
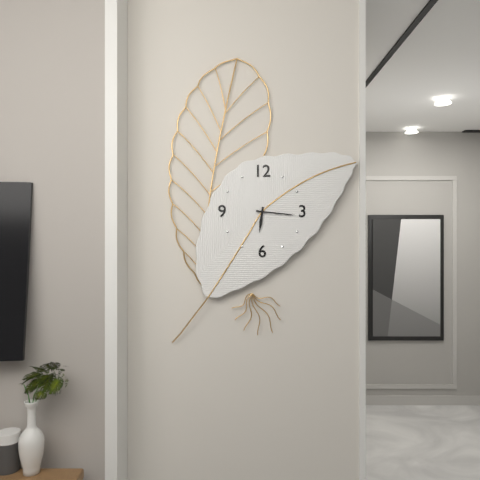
6h16
